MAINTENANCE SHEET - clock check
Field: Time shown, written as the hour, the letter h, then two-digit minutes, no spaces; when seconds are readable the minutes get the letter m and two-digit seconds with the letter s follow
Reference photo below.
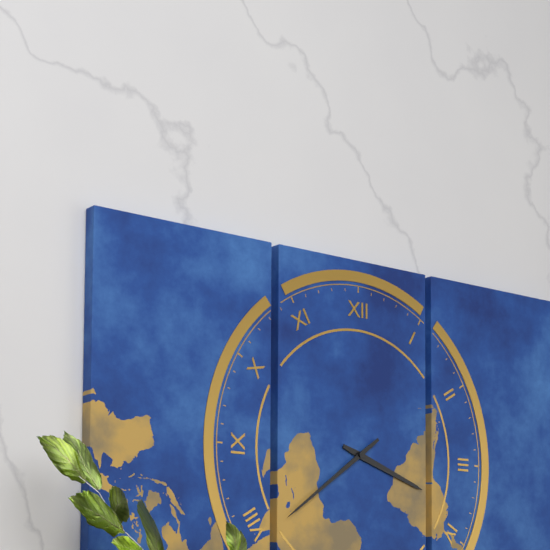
3h39
